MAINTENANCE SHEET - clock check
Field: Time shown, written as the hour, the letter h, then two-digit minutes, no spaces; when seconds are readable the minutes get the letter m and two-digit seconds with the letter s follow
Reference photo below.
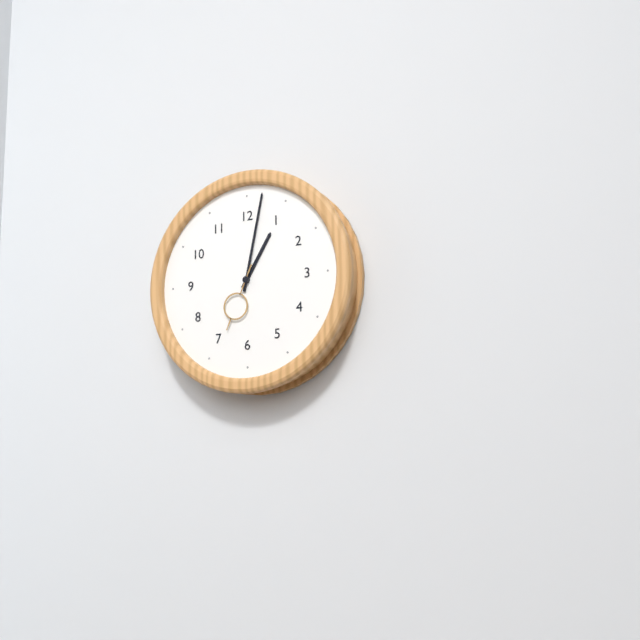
1h02m34s
